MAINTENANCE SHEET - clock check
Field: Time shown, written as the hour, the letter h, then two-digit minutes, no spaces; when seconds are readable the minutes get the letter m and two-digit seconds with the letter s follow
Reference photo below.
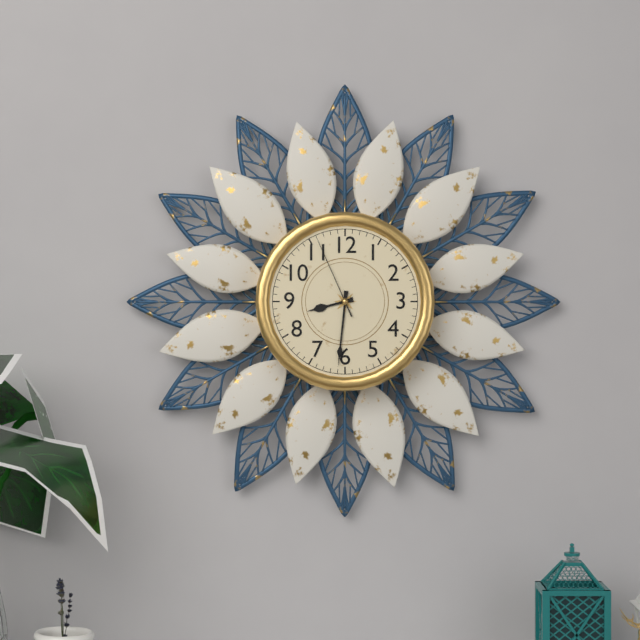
8h31m56s
